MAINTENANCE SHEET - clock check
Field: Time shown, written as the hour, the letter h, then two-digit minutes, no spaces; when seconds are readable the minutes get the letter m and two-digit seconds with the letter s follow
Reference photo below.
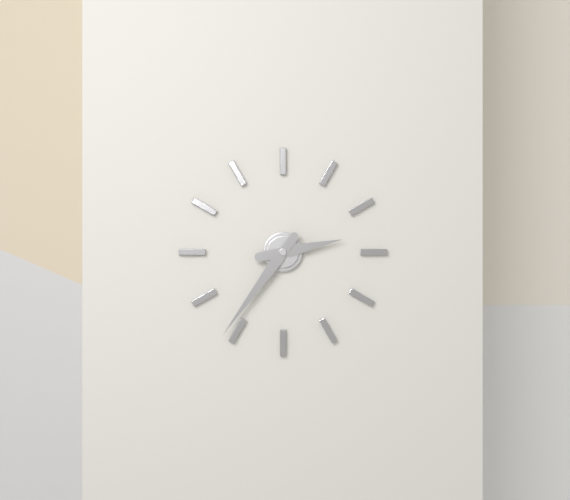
2h36
